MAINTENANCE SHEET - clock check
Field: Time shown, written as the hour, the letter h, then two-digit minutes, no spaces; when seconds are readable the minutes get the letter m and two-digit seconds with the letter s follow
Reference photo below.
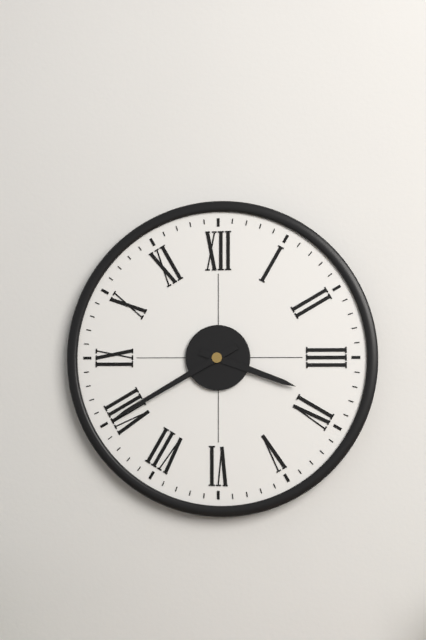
3h40
